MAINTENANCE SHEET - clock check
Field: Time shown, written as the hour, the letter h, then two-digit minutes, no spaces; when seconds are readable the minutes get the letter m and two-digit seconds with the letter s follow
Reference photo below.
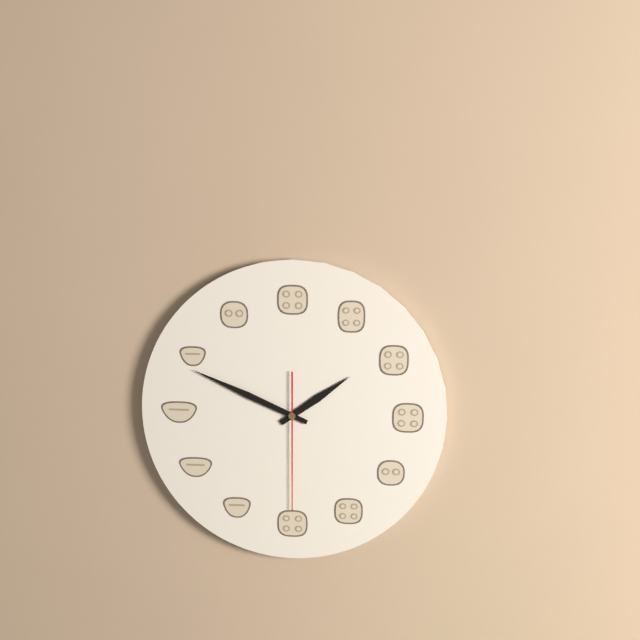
1h49m30s
